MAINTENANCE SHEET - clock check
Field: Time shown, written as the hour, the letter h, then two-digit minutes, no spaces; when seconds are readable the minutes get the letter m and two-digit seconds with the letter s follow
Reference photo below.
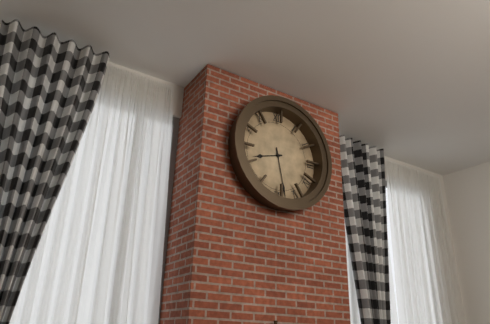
8h28
